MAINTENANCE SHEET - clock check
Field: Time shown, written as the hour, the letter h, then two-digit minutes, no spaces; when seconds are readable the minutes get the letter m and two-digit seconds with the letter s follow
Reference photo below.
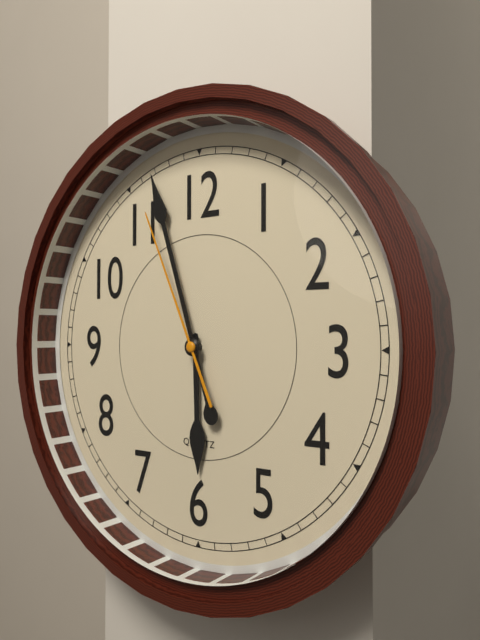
5h57m56s
